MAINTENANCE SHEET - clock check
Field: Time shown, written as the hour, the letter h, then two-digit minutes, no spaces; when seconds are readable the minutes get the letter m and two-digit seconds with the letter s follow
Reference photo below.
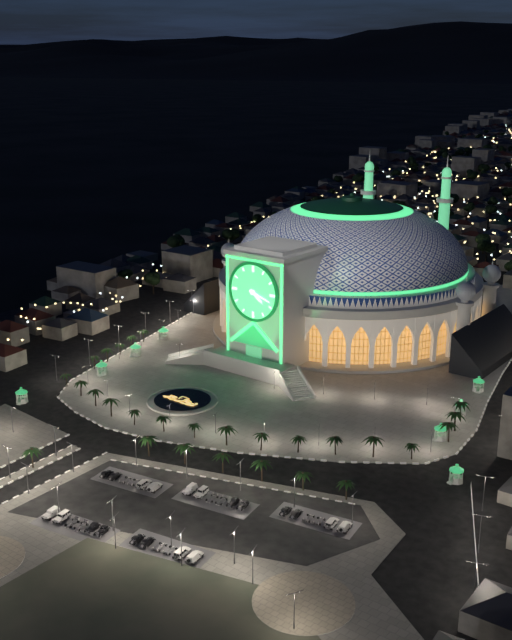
4h18
